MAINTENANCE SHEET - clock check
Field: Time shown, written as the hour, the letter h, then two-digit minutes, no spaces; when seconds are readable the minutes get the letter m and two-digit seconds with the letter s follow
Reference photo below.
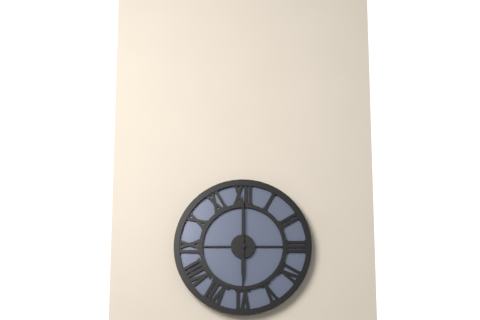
6h00
